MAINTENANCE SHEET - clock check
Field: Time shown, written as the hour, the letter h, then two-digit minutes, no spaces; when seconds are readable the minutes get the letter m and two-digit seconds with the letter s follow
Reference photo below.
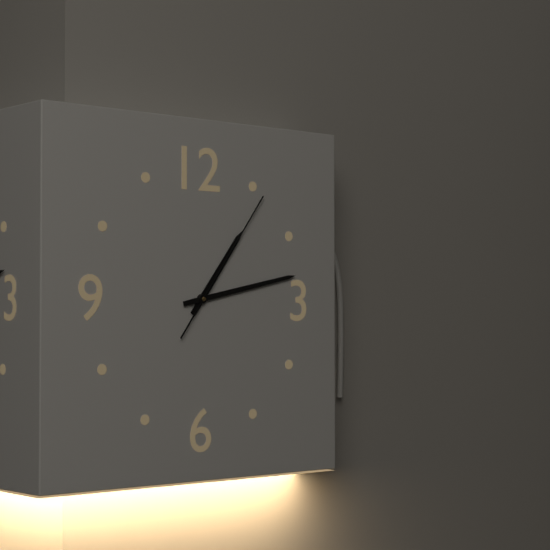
1h13m06s
